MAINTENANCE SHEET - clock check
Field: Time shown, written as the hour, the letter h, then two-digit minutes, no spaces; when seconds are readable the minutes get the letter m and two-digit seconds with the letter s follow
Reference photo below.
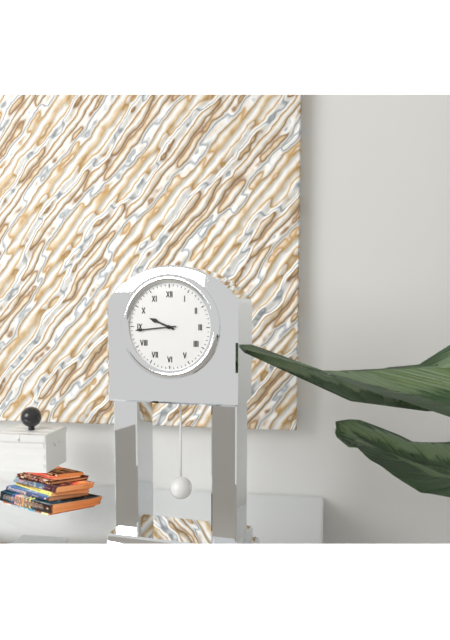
9h44
